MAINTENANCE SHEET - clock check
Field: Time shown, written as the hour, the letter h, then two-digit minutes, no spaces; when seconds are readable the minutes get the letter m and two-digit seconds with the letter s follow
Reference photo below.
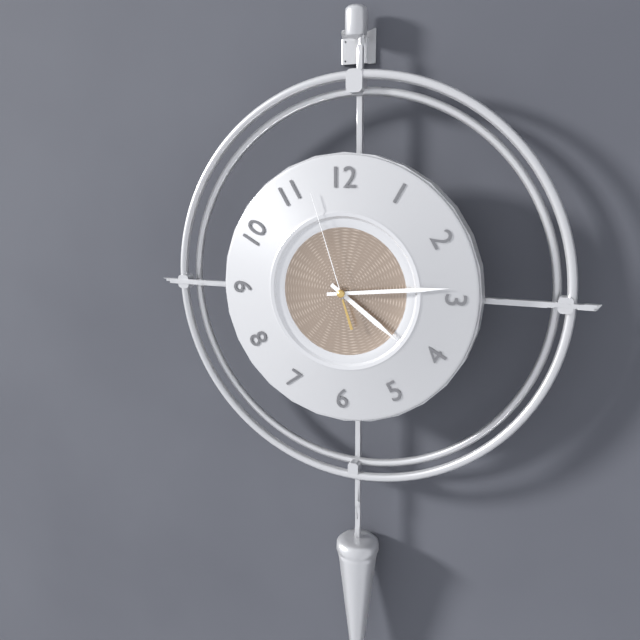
4h14m57s
